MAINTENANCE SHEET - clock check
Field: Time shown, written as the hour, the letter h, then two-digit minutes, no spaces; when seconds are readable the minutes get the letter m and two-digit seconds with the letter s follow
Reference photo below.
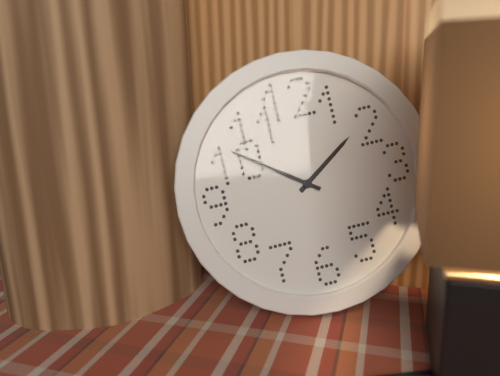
1h51
